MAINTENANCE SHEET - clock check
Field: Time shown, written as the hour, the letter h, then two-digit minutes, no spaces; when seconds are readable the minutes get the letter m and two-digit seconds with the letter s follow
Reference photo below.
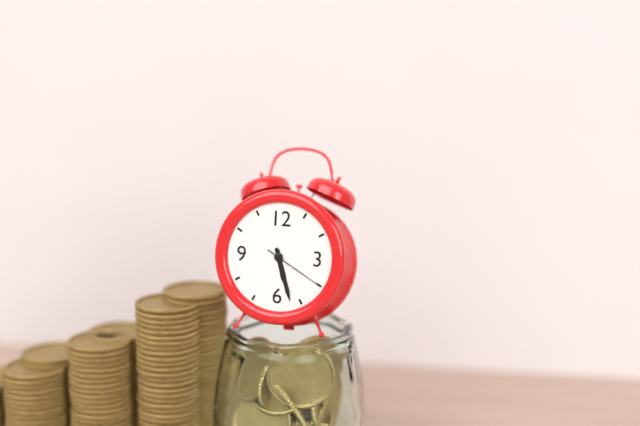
5h27m20s
